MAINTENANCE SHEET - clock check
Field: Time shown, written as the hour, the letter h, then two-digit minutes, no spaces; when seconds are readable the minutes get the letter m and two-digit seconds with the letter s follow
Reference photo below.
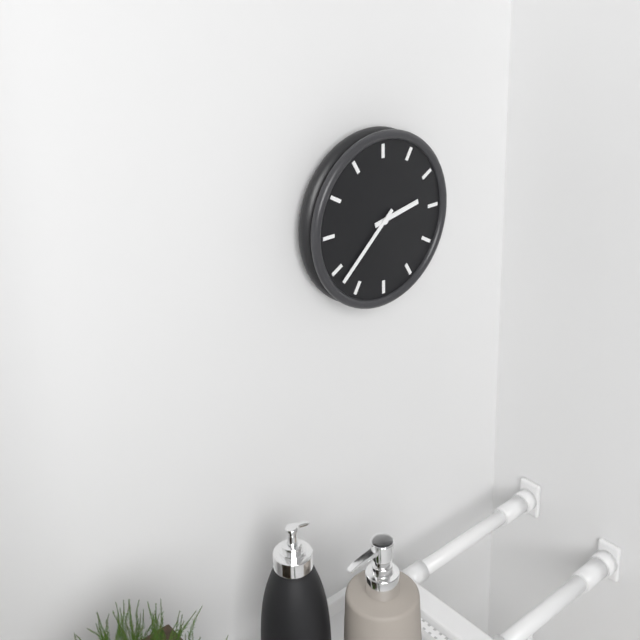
2h38
